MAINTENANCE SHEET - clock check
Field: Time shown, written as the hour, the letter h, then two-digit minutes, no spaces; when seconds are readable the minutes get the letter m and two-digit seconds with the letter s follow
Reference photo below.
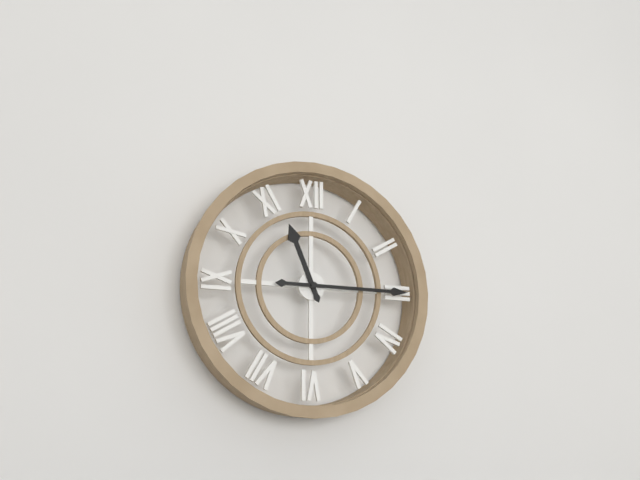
11h15
